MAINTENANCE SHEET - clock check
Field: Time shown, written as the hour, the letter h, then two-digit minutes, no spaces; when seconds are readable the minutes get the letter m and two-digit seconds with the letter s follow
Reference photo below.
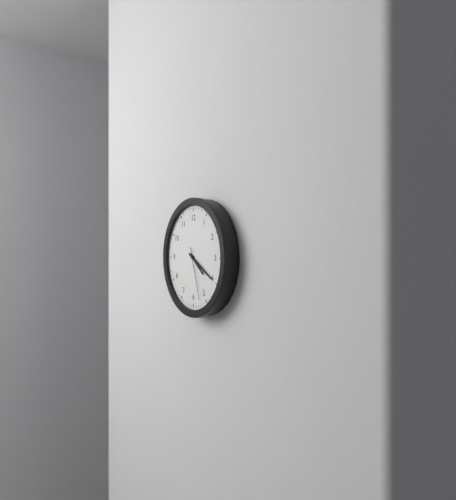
4h20m27s
